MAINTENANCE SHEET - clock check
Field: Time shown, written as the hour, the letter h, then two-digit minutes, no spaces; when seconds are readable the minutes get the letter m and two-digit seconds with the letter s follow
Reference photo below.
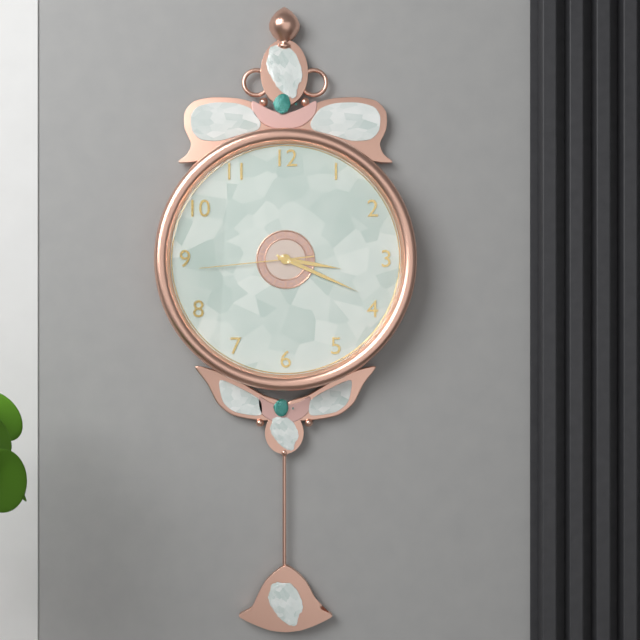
3h19m44s
